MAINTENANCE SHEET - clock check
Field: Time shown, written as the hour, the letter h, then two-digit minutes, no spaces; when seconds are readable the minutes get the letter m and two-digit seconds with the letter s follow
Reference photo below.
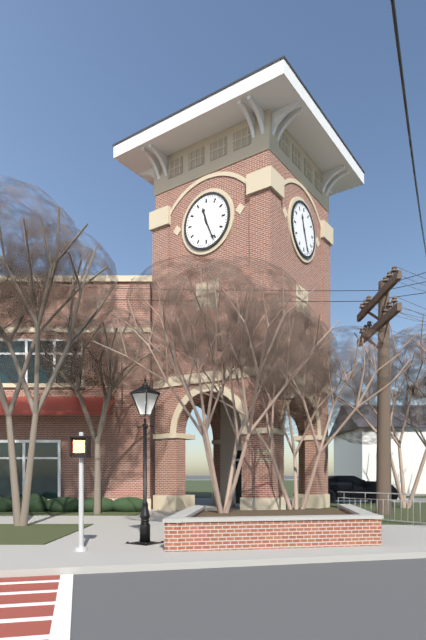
11h26
